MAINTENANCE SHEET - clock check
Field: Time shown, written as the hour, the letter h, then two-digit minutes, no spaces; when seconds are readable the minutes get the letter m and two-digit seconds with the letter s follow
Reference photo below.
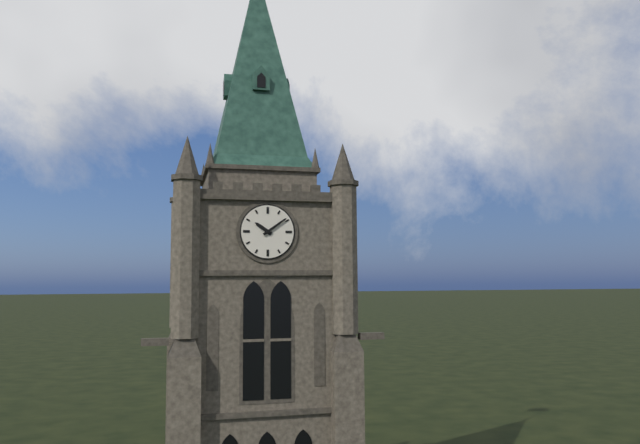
10h09
